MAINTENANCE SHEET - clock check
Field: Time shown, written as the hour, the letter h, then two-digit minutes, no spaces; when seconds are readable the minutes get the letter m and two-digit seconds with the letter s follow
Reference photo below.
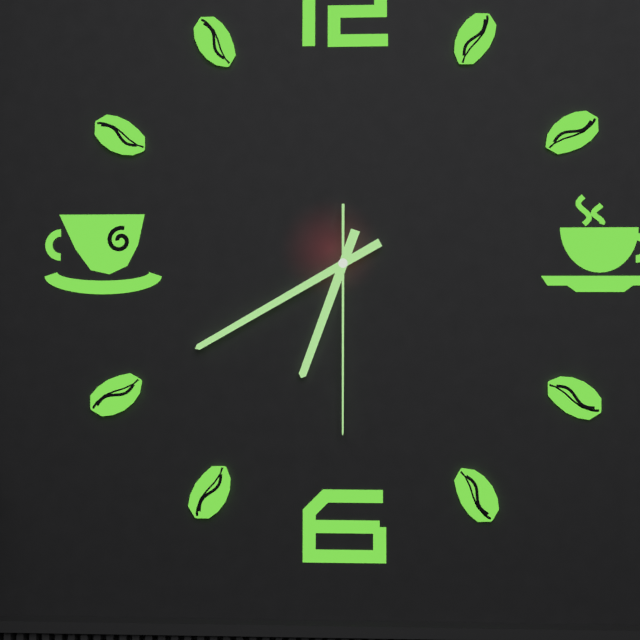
6h40m30s
